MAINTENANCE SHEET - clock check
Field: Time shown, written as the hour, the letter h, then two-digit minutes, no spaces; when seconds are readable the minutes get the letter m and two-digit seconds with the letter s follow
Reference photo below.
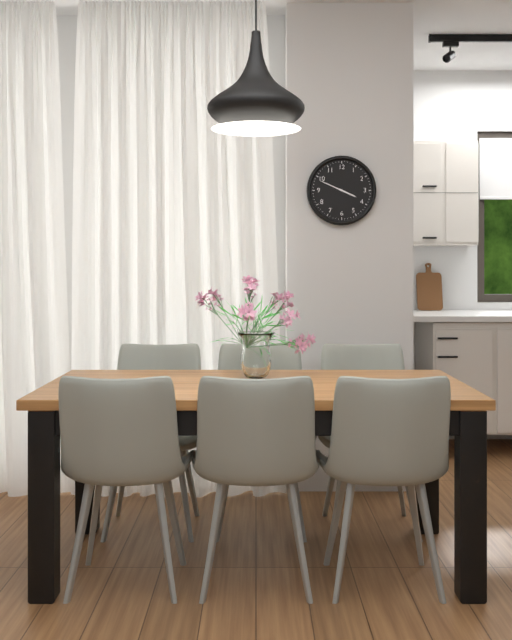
3h49
